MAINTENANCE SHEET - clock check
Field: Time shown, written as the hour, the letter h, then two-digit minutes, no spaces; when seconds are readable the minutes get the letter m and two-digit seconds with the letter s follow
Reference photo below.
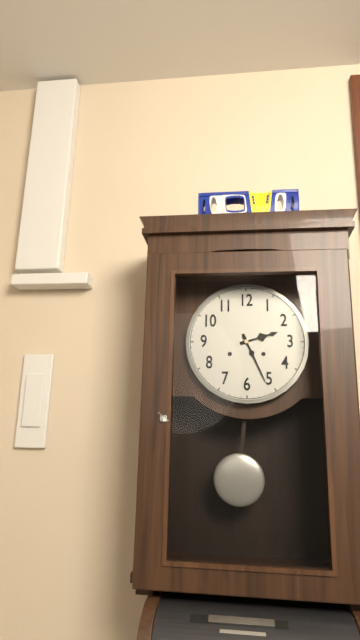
2h26
